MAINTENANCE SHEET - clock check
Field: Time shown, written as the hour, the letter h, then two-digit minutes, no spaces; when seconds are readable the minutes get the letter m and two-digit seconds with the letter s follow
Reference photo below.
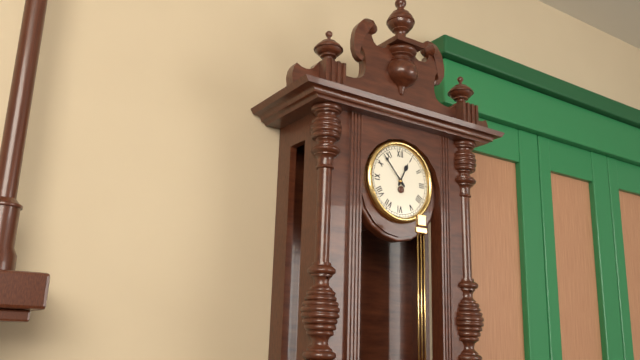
12h53
